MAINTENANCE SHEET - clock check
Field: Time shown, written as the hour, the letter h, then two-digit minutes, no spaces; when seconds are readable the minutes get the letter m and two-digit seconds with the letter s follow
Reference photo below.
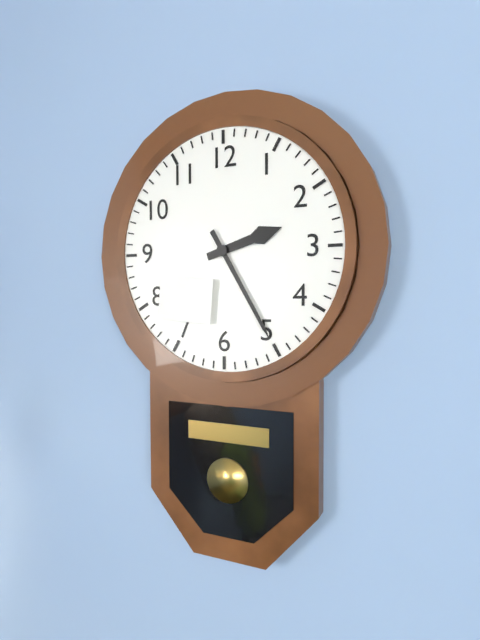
2h25
